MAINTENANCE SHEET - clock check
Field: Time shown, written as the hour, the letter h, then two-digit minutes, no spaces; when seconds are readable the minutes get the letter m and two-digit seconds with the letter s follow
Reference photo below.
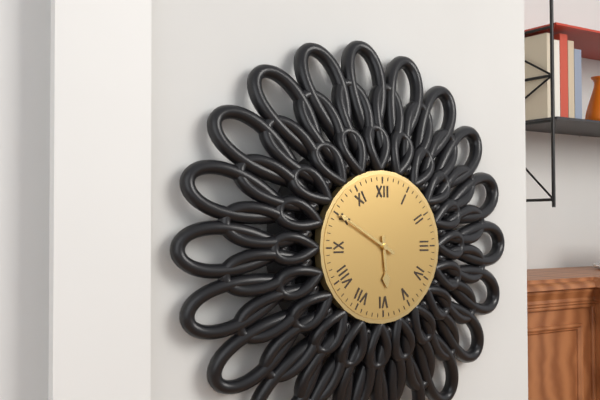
5h50
